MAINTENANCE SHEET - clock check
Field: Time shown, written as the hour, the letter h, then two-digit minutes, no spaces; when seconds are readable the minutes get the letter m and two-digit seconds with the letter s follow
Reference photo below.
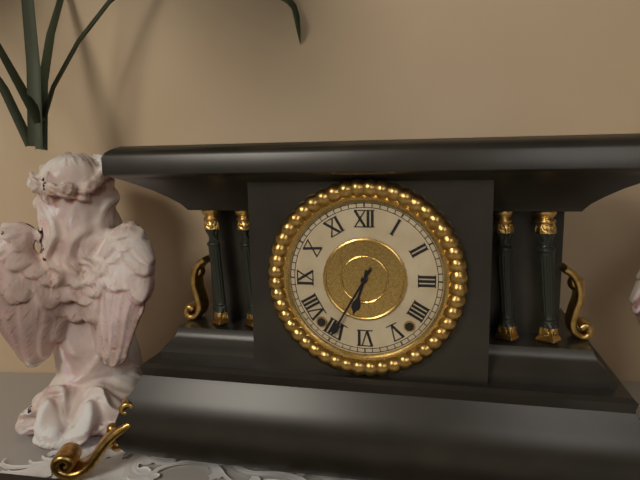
6h35
